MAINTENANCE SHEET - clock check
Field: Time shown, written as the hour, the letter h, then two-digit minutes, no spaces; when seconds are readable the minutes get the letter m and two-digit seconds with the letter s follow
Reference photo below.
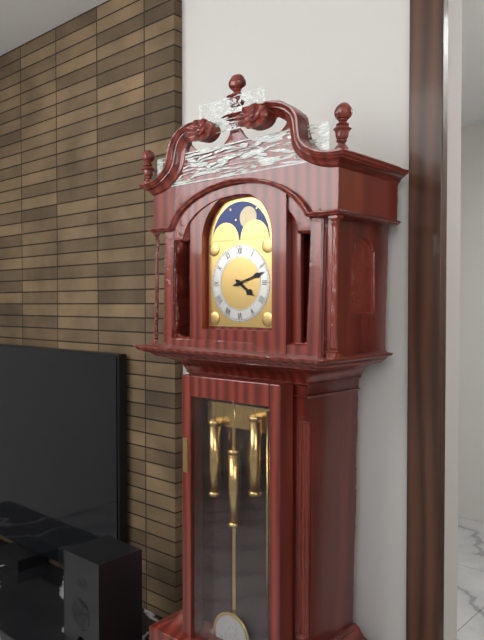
4h12
